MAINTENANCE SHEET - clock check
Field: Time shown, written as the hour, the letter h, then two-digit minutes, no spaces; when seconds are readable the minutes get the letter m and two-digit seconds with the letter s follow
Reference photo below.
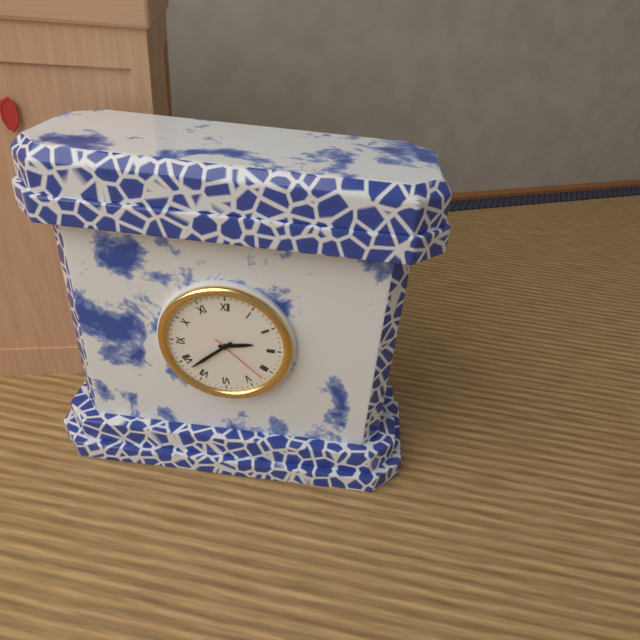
2h38m22s
